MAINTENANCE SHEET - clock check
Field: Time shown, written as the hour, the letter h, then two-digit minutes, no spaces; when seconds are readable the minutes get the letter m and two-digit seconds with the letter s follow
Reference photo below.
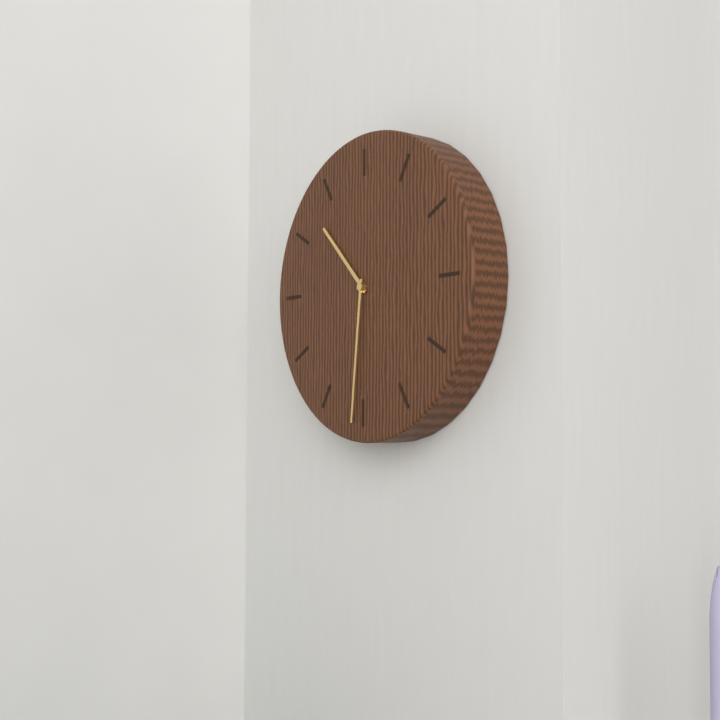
10h31
